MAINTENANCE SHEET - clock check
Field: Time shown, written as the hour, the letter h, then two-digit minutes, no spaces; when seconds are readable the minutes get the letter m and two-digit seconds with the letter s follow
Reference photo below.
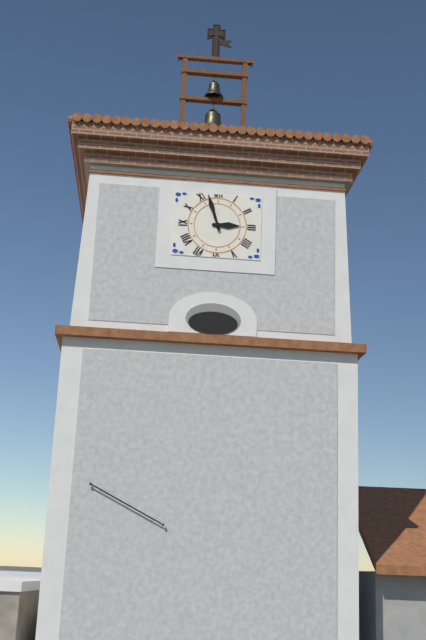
2h57
